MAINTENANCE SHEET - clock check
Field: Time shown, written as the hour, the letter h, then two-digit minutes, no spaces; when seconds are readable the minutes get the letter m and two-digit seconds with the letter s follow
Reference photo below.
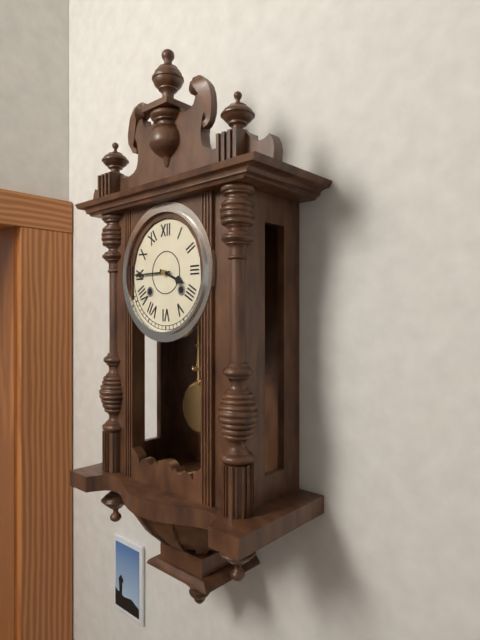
3h45
